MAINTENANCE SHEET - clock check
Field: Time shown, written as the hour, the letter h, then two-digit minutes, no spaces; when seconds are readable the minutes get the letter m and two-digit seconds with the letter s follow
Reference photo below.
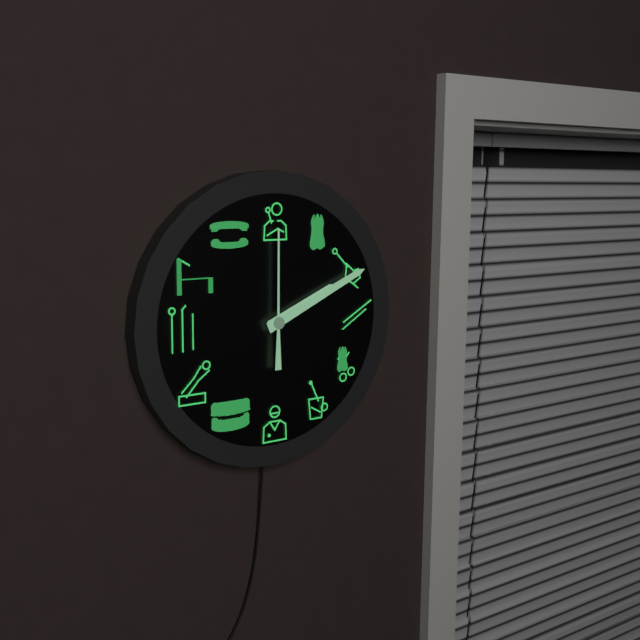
2h11m00s
